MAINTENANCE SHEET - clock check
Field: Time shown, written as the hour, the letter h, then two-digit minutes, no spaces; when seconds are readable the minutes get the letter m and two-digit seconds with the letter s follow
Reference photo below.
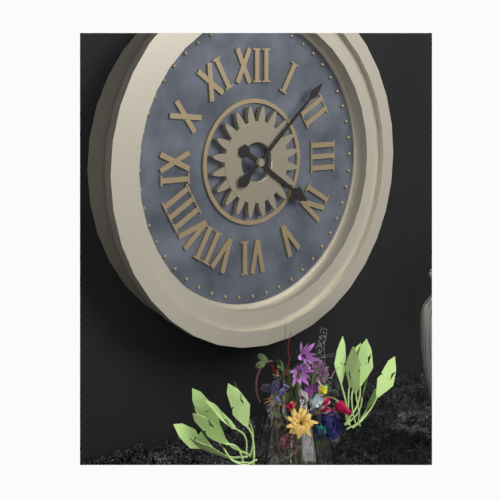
4h08
